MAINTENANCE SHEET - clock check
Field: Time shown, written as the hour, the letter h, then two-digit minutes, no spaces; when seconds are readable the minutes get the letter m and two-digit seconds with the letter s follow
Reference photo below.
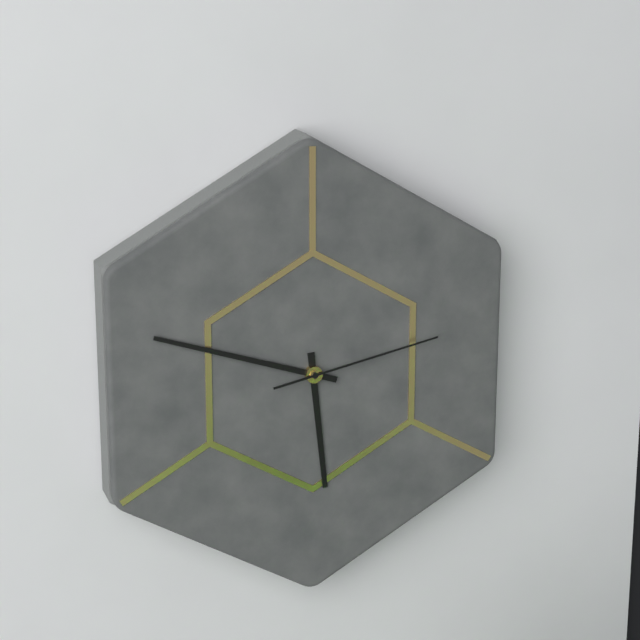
5h48m13s
